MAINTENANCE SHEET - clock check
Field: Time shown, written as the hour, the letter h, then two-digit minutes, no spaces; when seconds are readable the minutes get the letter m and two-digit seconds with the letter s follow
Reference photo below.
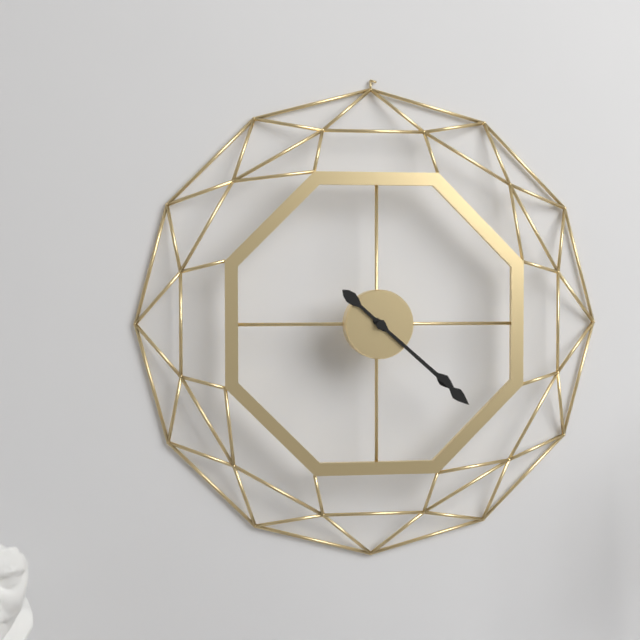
4h22
